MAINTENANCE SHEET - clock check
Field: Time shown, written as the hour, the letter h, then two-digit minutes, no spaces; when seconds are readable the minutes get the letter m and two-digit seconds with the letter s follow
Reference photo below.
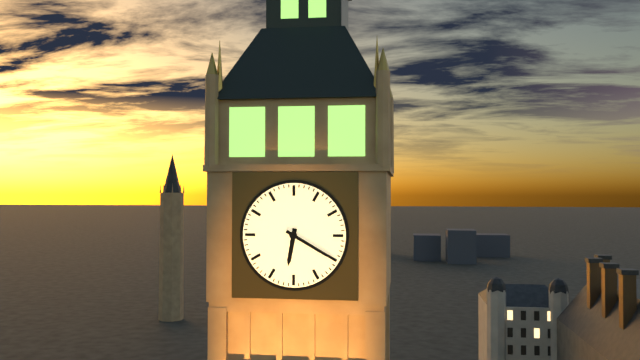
6h20
